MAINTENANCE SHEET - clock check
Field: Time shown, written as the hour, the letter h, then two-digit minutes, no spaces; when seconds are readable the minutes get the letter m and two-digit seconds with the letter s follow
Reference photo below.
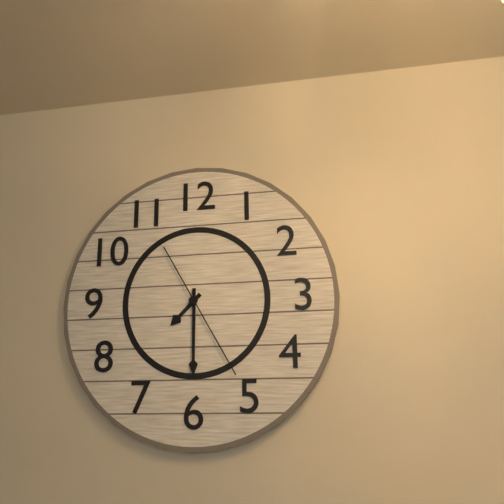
7h30m25s
